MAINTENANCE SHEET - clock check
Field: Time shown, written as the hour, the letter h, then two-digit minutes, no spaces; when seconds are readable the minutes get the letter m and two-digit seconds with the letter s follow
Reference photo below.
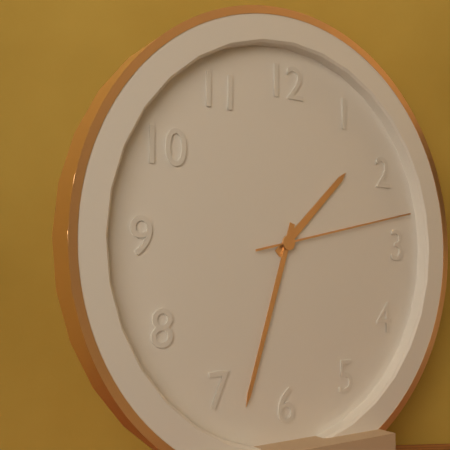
1h33m13s
